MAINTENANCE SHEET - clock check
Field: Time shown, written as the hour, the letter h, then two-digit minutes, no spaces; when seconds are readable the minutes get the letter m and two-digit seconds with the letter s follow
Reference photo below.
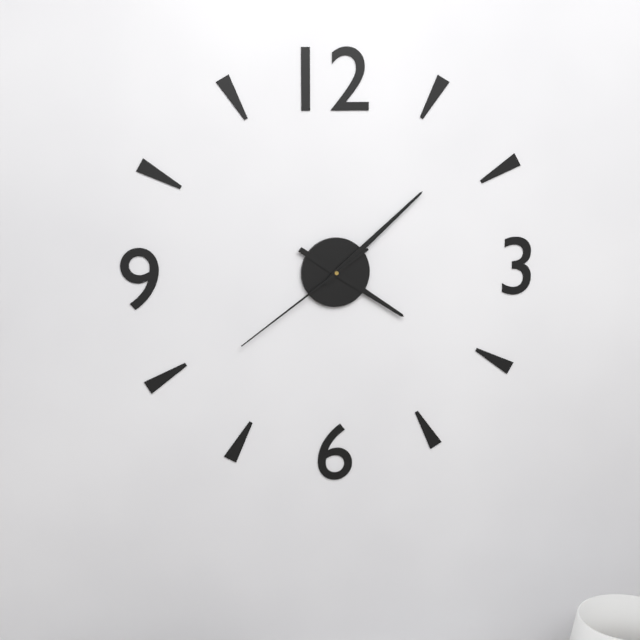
4h08m39s
